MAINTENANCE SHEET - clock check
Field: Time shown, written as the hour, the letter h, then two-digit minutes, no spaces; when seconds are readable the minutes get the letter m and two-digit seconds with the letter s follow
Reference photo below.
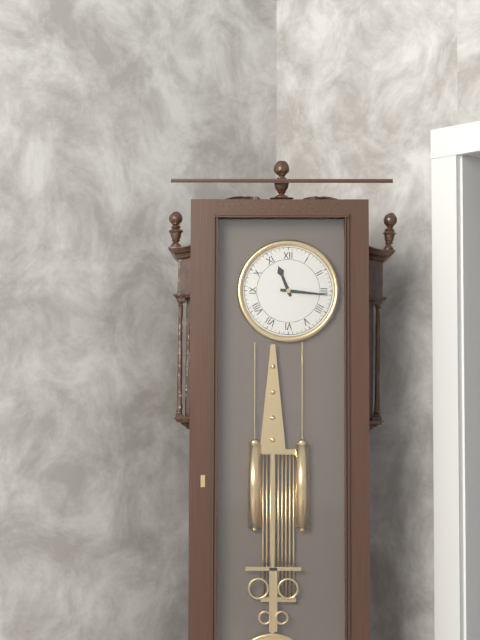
11h16
